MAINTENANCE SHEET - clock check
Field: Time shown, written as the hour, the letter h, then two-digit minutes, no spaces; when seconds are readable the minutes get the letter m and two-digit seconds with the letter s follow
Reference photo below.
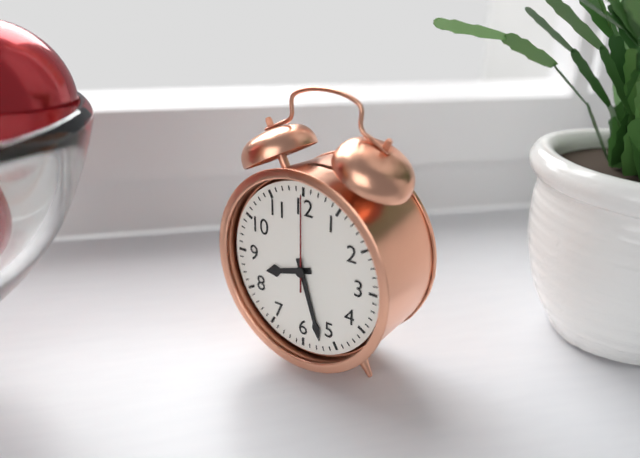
8h27m00s
